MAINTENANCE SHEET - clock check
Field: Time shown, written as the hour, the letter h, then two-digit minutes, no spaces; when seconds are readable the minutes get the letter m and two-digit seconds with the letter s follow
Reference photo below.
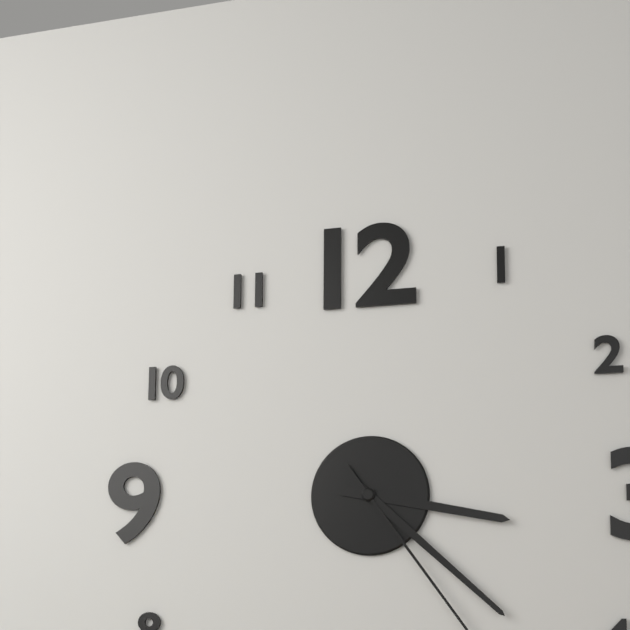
3h22
